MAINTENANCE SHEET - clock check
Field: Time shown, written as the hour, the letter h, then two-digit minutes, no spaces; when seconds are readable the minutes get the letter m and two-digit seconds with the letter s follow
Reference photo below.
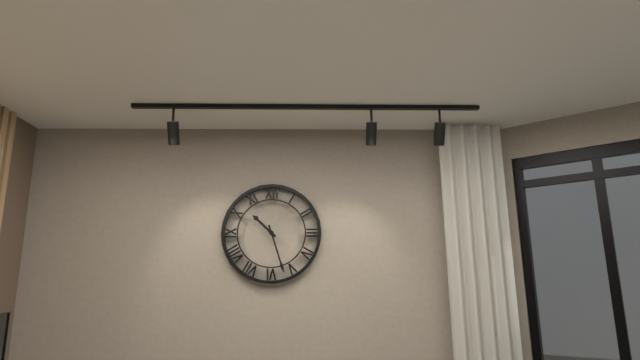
10h27
